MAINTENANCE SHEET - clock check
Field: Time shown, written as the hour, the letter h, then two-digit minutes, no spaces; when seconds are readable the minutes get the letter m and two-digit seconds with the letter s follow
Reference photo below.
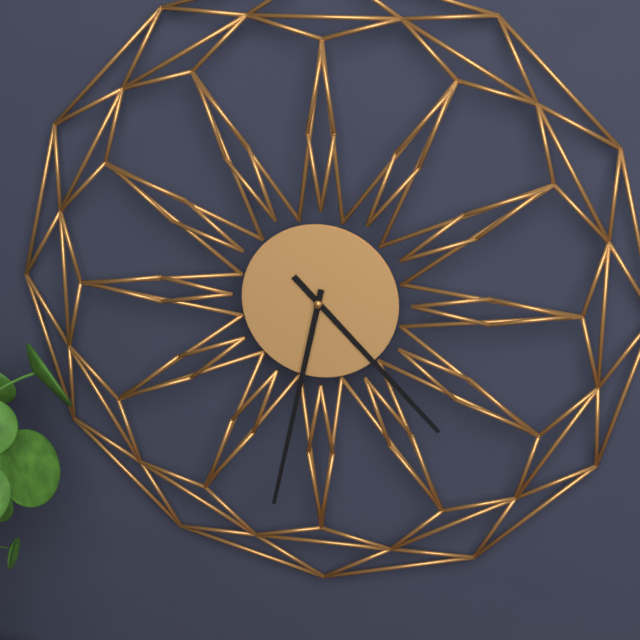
4h32
